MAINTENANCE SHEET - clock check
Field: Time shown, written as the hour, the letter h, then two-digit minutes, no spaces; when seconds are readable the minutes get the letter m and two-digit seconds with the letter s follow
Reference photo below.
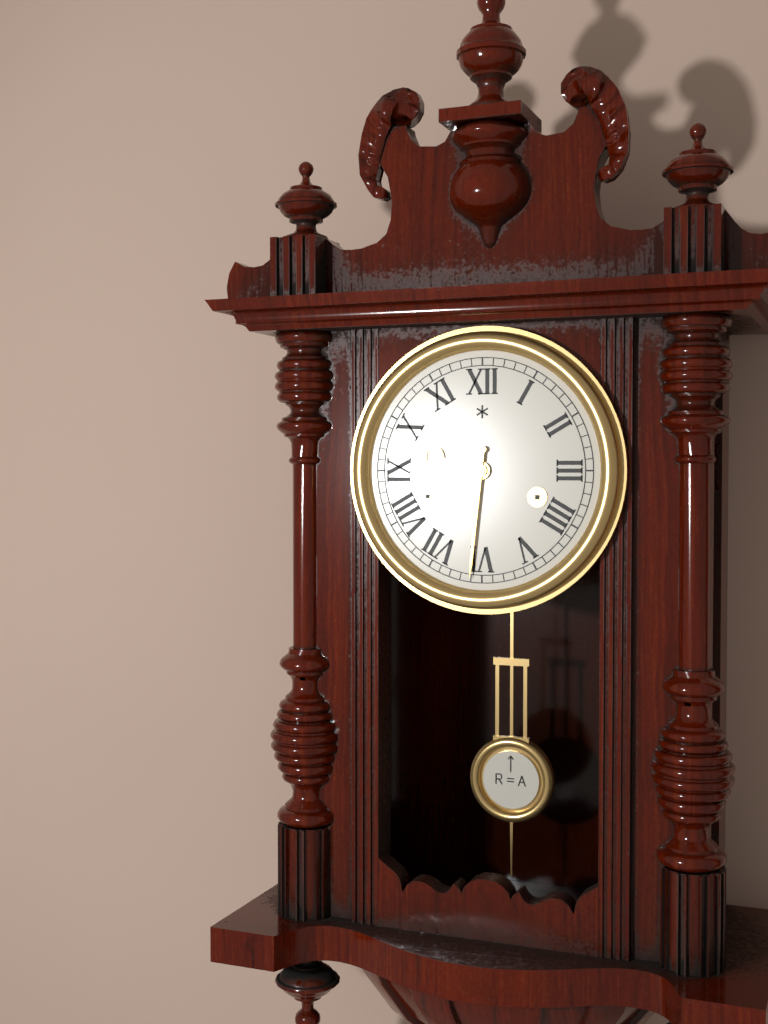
9h31
